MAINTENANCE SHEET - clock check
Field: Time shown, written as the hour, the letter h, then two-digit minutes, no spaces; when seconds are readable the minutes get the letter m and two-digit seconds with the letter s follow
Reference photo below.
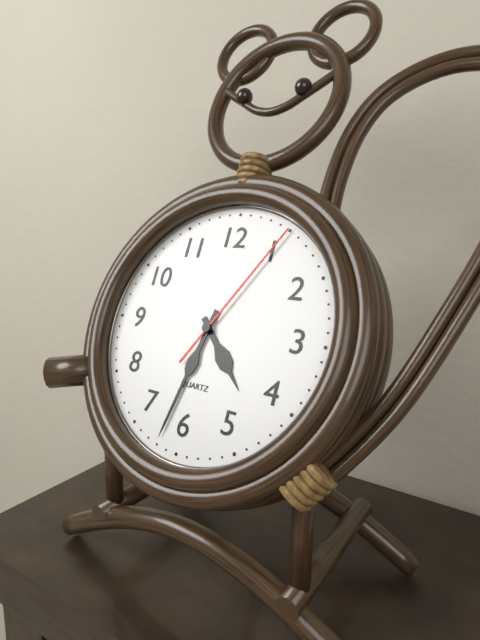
4h32m05s
